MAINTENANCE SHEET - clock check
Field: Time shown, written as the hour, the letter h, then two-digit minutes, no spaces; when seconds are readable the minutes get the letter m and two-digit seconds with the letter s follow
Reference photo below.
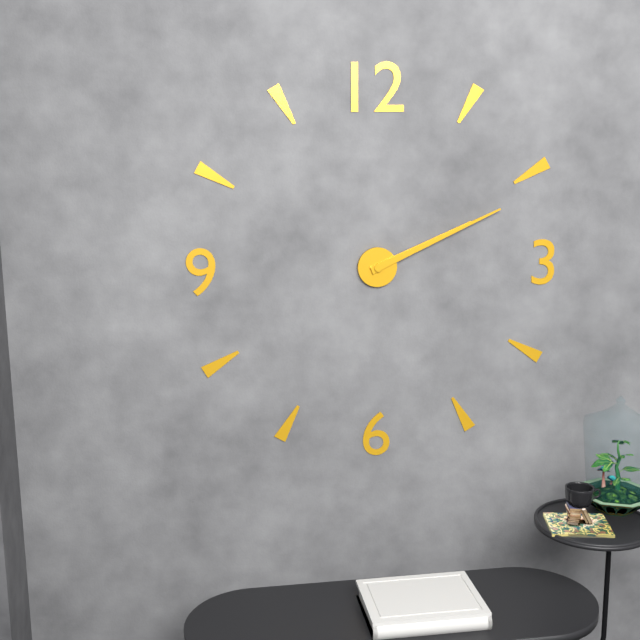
2h11
